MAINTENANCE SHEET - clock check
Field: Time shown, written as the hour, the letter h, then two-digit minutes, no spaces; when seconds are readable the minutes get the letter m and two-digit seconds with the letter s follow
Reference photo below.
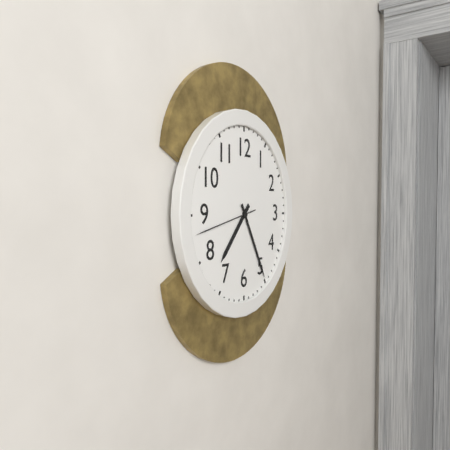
7h25m43s
